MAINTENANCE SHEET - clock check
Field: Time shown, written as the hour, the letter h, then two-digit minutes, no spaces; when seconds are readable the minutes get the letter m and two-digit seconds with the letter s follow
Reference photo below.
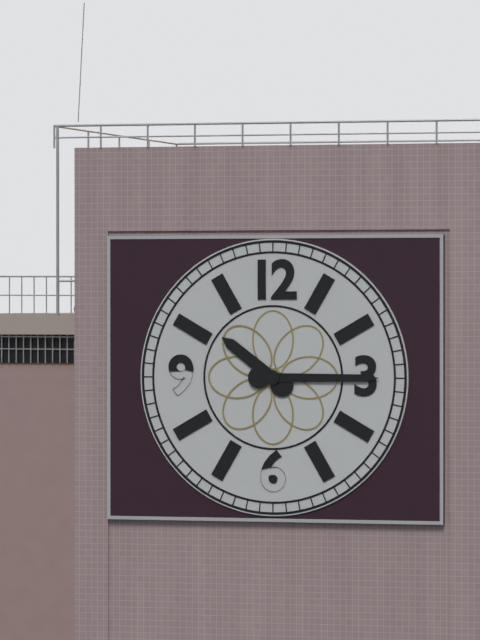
10h15
